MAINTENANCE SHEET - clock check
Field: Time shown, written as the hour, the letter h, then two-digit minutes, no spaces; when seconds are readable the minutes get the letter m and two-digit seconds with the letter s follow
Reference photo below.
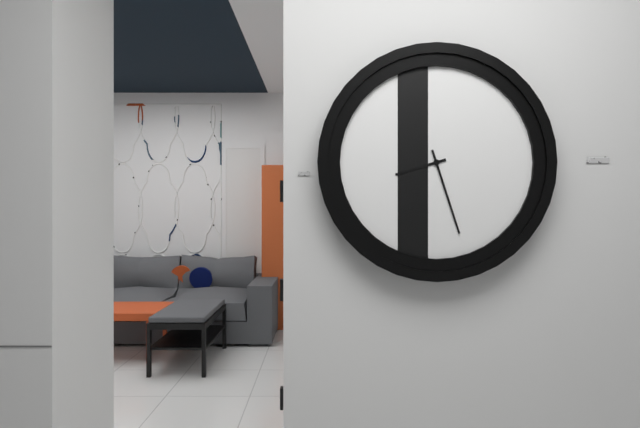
8h27
